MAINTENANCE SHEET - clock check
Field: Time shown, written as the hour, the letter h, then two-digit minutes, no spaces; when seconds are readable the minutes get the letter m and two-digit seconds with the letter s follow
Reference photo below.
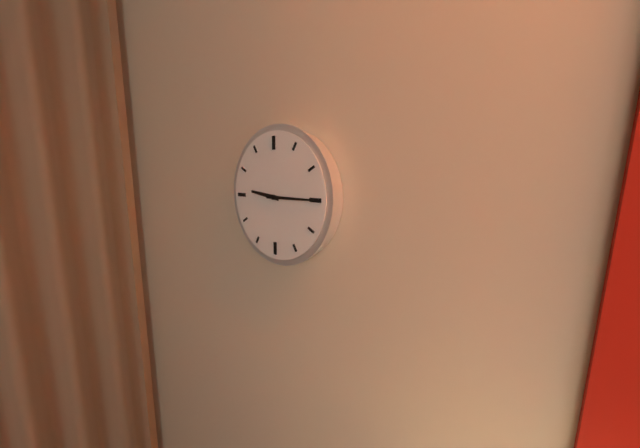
9h15
